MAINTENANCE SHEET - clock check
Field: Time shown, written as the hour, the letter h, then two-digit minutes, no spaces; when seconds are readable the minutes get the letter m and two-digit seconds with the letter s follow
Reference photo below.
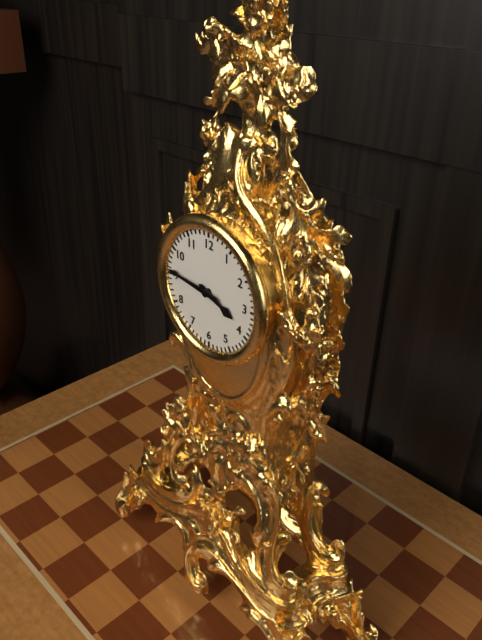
3h46
